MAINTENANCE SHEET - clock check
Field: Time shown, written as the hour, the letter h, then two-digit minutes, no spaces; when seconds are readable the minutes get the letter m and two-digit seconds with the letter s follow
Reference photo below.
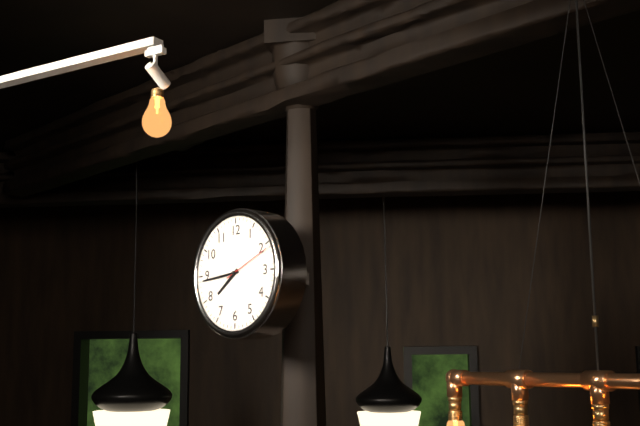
7h44m11s
